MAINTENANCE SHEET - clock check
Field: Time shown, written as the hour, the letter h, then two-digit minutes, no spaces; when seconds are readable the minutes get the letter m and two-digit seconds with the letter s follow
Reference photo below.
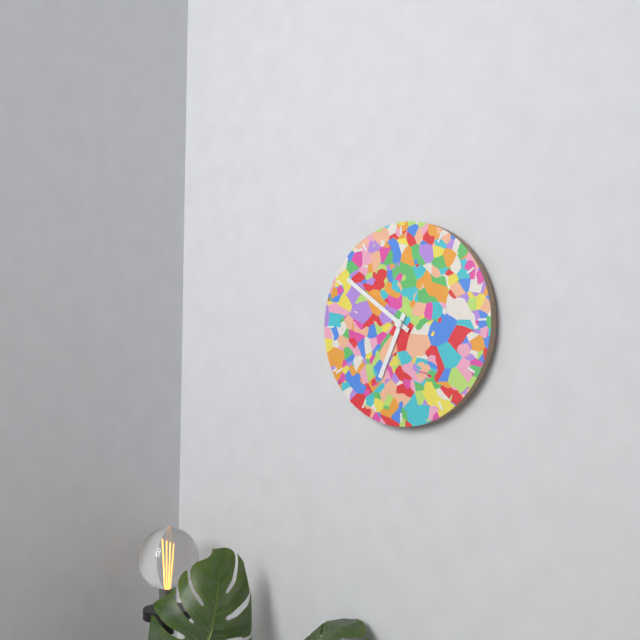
6h51
